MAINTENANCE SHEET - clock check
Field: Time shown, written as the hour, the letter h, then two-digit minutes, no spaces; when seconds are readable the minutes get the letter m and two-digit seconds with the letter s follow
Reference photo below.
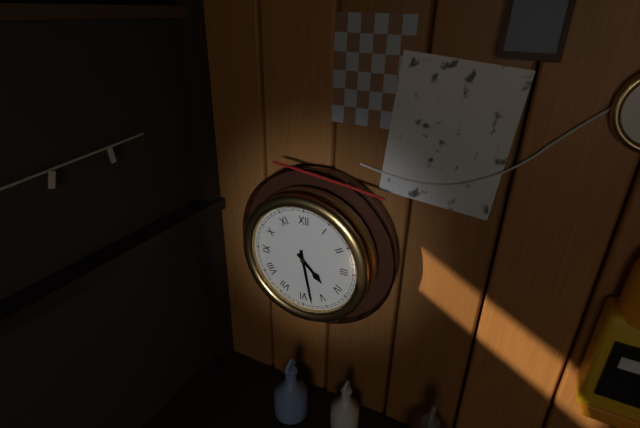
4h28
